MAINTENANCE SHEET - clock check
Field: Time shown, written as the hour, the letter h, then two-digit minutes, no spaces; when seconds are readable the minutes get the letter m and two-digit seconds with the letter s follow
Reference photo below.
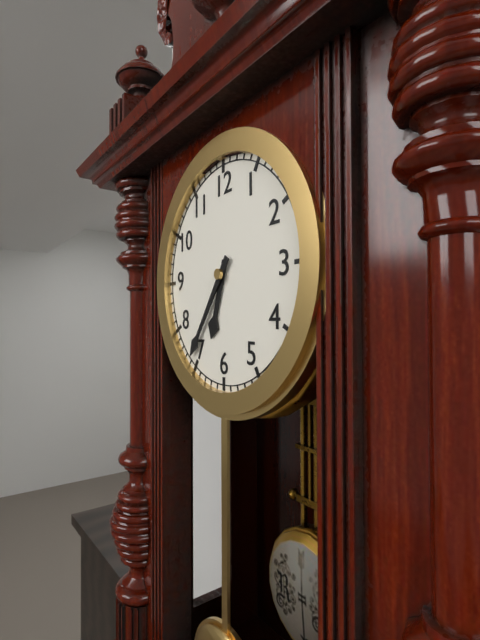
6h36
